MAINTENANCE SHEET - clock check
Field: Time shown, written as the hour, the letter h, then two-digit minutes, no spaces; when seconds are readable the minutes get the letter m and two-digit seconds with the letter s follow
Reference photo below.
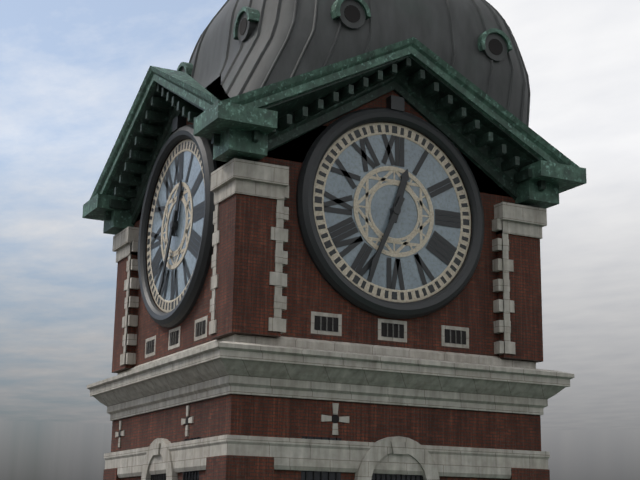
12h34
